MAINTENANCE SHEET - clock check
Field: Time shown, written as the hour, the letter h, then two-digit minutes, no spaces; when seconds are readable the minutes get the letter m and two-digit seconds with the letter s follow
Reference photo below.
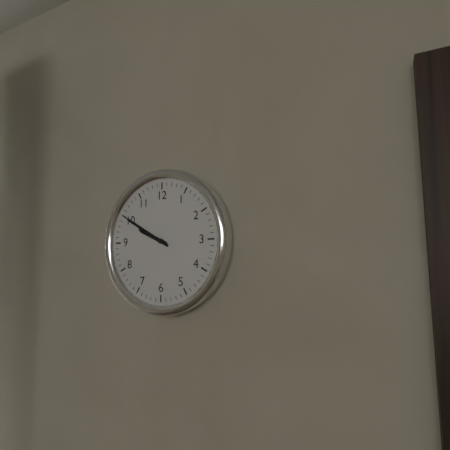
9h50
